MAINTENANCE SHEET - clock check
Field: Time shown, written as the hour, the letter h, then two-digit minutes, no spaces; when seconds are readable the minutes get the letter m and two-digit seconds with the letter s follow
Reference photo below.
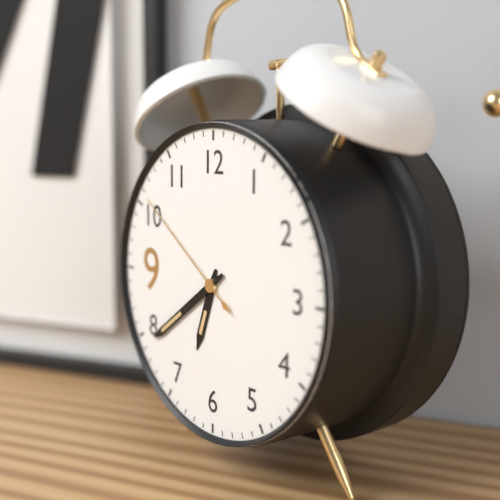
6h39m51s
